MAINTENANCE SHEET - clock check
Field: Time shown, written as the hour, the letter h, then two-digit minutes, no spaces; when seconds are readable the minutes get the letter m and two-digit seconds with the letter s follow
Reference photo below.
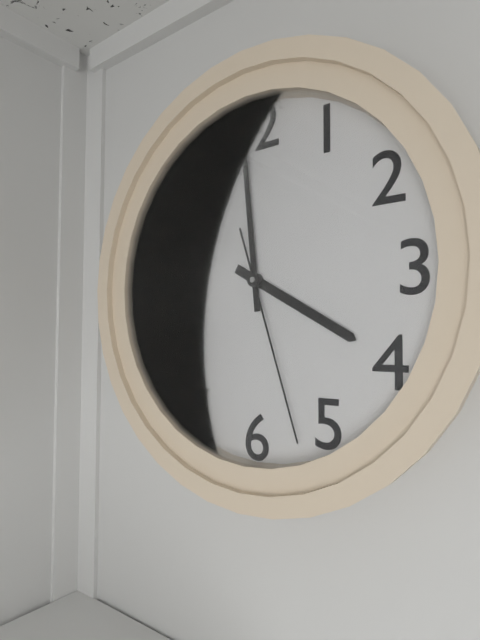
3h59m27s
